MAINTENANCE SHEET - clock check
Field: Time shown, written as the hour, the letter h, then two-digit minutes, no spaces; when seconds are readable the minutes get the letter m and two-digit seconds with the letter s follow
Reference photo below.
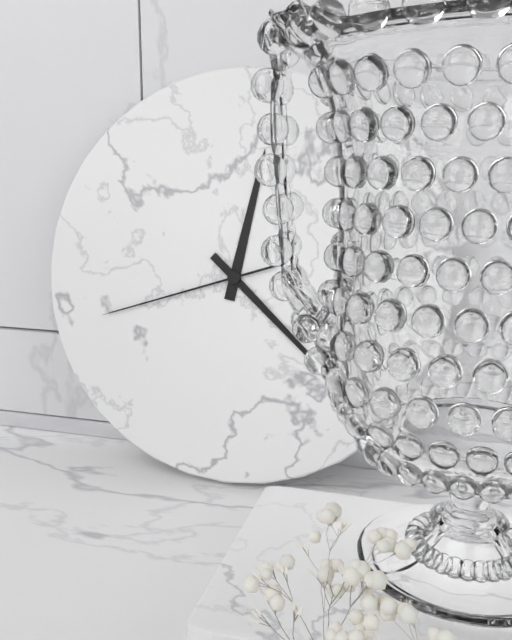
12h22m42s
